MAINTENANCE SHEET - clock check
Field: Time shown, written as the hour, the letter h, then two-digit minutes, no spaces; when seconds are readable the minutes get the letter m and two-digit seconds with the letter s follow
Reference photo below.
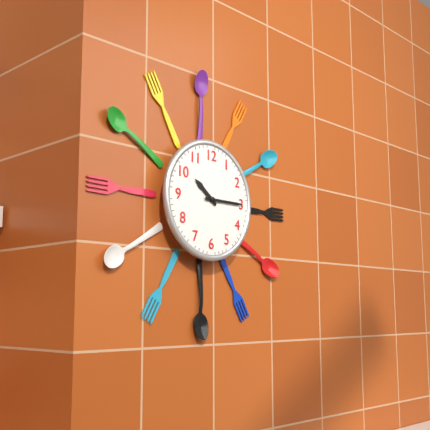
10h15
